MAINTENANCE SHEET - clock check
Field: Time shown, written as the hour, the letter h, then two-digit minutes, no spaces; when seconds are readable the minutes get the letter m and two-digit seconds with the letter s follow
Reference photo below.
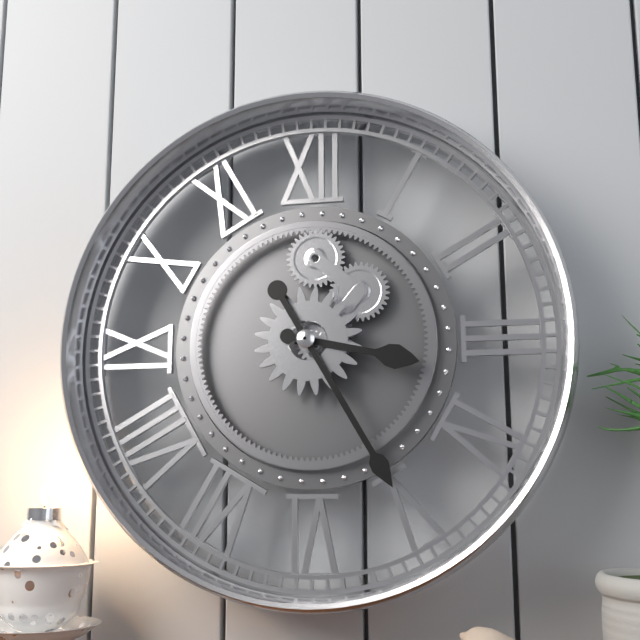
3h25
